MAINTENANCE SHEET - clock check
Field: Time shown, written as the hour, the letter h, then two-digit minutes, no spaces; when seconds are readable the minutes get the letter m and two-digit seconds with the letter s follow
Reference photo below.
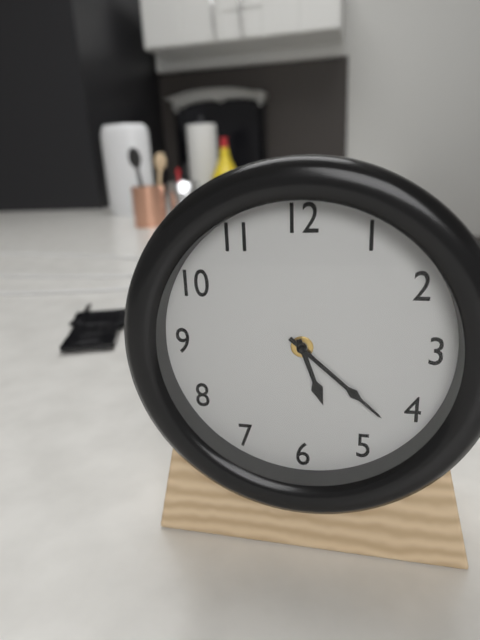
5h22
